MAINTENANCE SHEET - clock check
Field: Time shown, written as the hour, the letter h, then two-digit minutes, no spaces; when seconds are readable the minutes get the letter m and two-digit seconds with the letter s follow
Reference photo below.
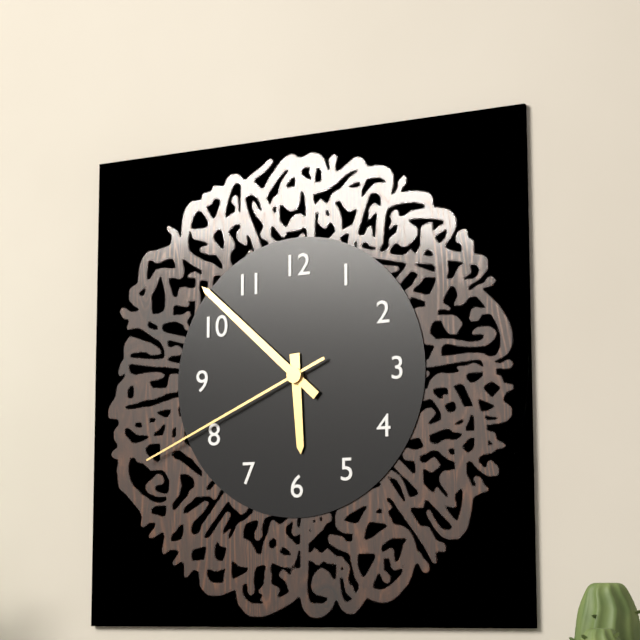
5h52m41s
